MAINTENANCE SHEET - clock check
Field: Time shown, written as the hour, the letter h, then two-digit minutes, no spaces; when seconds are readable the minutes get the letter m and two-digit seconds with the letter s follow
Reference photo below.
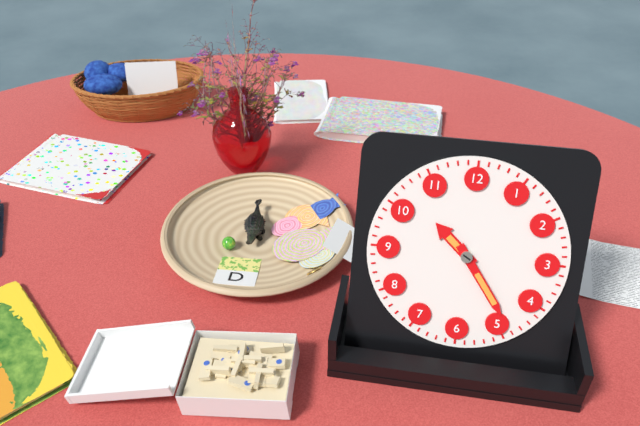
10h24
